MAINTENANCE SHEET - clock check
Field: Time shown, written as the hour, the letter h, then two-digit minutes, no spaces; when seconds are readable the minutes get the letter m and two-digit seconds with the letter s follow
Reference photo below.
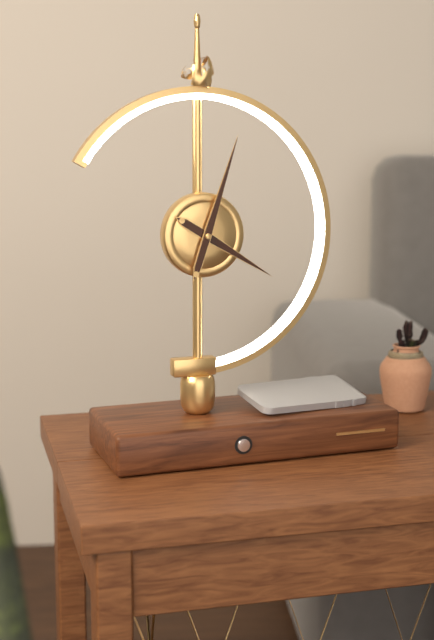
4h03
